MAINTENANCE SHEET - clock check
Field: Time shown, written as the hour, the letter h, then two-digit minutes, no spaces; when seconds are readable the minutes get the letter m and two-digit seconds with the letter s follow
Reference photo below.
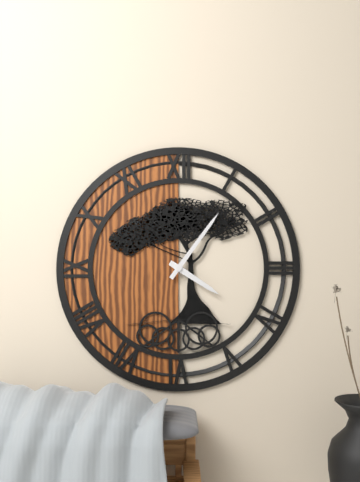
4h06
